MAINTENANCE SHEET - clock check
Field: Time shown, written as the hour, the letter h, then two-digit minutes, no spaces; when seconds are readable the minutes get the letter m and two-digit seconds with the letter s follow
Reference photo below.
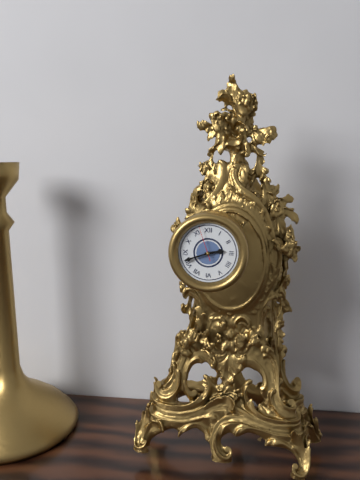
2h42
